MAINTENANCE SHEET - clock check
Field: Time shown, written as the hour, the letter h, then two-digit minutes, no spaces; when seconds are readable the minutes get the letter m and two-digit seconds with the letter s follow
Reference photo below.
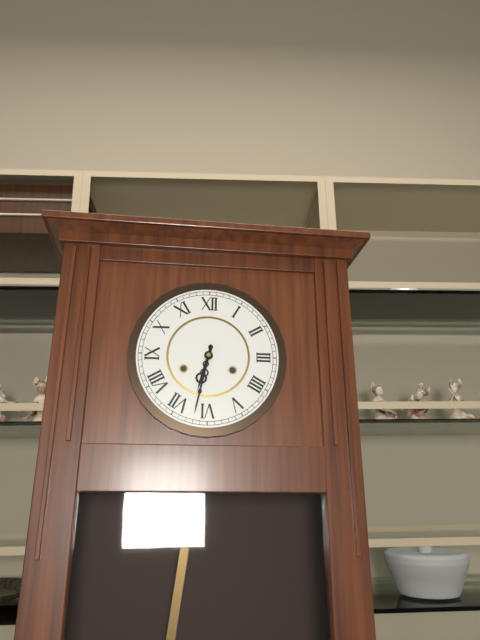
6h32
